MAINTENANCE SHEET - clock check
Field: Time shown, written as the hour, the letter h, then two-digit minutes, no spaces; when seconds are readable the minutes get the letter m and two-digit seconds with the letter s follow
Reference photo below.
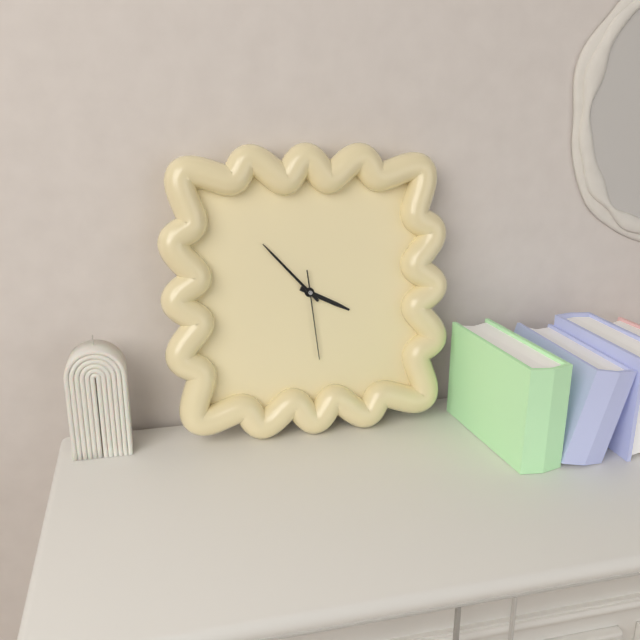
3h53m29s
